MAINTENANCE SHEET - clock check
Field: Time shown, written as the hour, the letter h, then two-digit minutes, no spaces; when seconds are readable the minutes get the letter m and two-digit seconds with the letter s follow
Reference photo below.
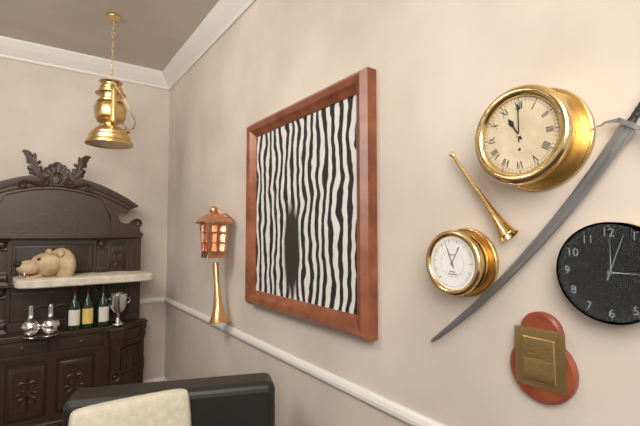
11h00
